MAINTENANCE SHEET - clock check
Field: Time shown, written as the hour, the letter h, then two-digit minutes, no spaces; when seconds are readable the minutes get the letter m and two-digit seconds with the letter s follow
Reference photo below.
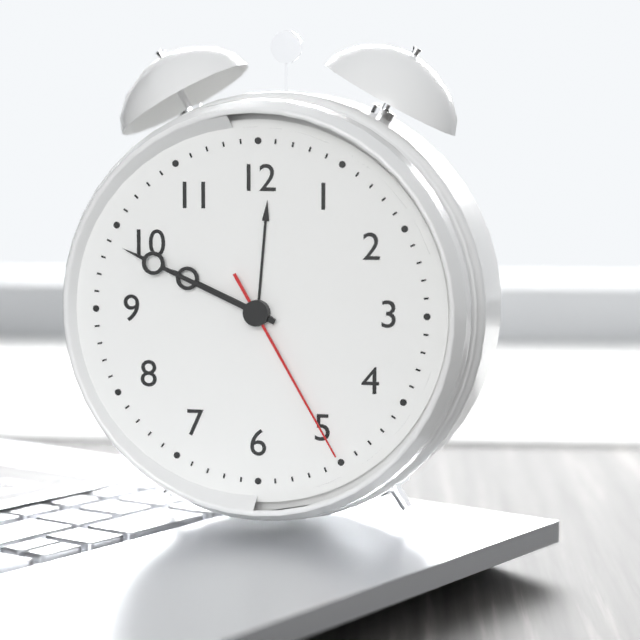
9h49m25s
